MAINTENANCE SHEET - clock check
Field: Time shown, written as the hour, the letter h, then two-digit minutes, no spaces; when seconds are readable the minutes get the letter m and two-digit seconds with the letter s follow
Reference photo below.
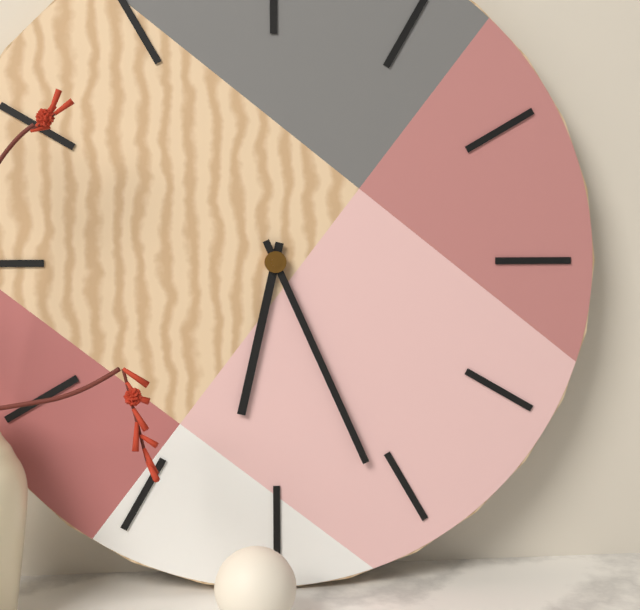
6h26
